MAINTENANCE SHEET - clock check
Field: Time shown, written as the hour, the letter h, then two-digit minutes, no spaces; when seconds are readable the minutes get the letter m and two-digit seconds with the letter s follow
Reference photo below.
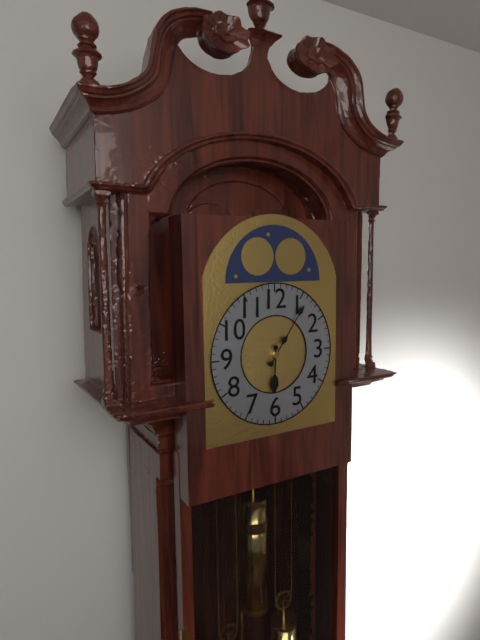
6h06
